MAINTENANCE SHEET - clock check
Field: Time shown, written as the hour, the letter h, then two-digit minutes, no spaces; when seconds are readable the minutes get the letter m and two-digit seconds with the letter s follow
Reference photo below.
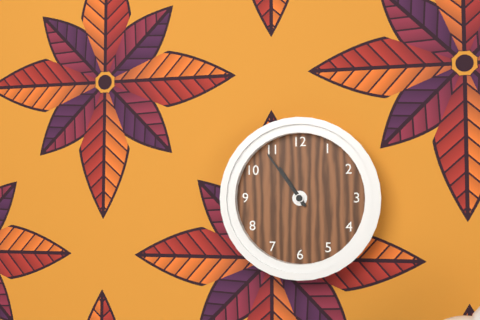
10h54
